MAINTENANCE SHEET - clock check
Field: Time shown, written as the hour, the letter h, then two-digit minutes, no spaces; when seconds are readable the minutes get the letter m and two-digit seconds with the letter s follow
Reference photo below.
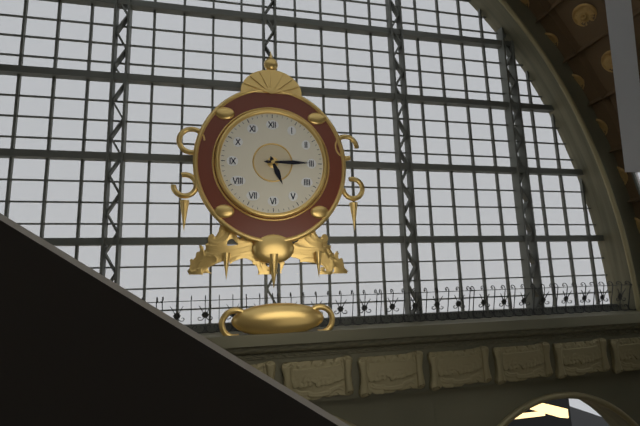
5h15
